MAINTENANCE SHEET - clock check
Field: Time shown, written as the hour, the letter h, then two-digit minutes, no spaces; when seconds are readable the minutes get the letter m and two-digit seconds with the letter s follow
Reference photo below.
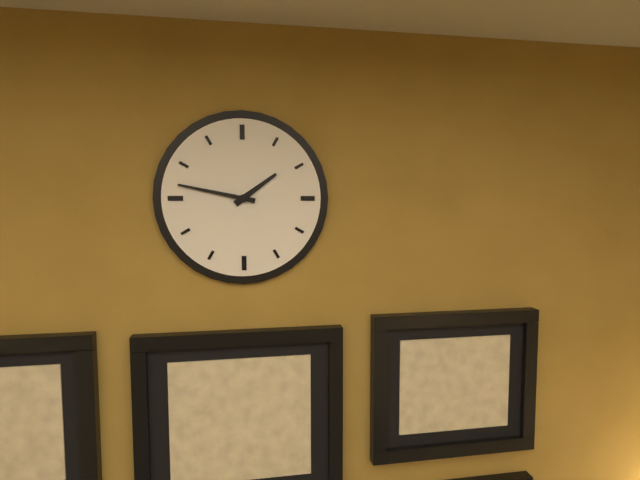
1h47
